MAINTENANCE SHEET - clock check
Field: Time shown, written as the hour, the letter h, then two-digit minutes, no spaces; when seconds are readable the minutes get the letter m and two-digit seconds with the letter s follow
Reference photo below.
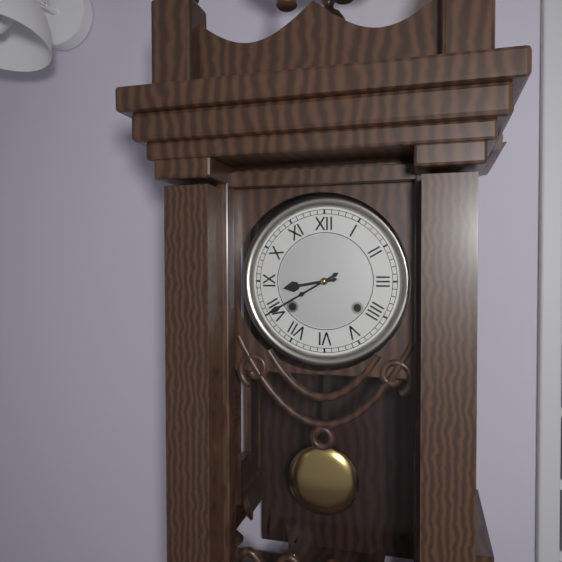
8h40
